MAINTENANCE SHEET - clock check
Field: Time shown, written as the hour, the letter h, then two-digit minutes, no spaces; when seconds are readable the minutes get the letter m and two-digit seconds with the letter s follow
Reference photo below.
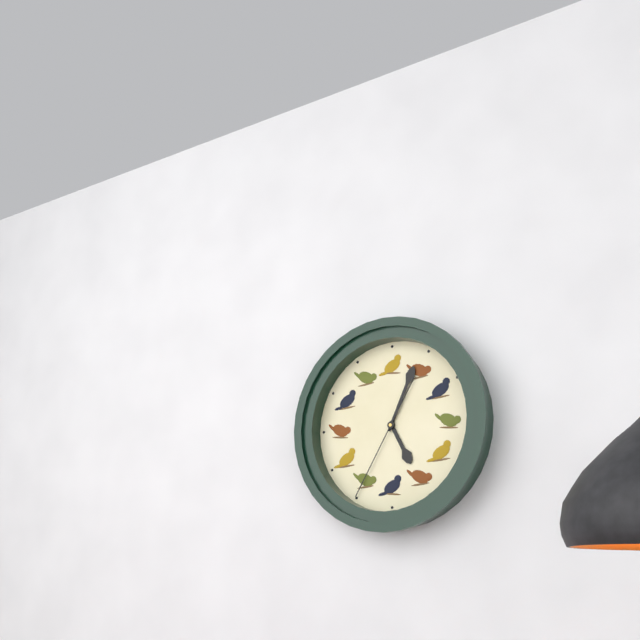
5h04m35s
